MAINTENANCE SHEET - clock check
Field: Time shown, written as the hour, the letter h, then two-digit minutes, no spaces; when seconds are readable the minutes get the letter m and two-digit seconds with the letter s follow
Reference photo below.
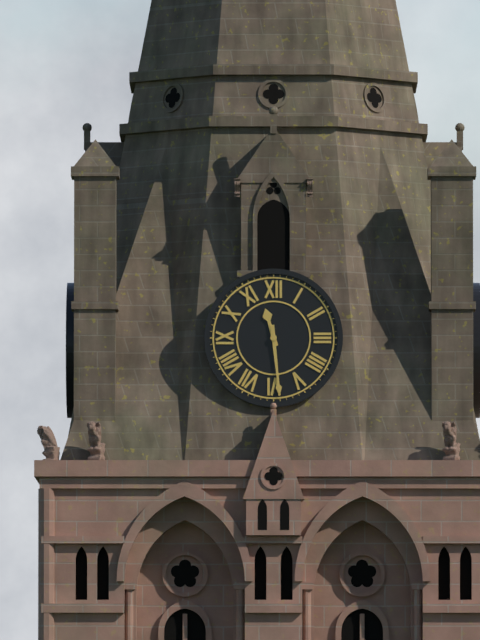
11h29
